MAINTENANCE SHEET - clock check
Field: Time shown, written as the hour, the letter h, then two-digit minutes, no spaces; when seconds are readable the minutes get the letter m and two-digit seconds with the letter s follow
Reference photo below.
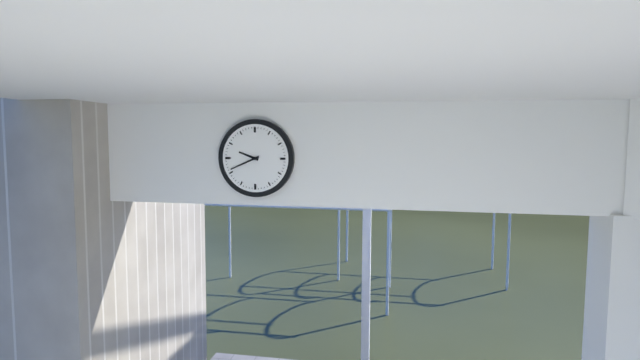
9h41
